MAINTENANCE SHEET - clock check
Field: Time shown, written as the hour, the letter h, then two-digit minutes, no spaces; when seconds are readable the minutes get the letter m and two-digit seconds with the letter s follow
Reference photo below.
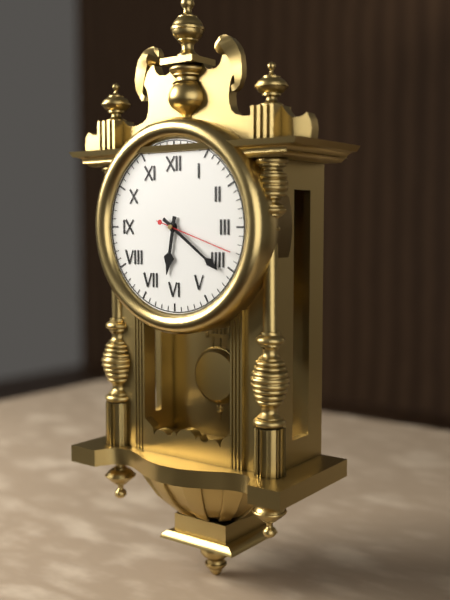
6h21m18s
